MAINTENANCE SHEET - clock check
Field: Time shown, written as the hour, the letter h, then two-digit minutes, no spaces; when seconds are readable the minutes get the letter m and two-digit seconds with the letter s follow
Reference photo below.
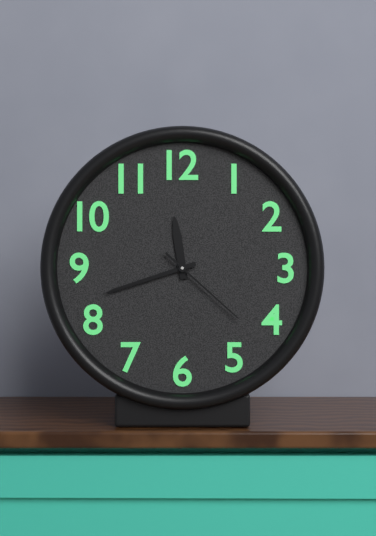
11h42m22s
